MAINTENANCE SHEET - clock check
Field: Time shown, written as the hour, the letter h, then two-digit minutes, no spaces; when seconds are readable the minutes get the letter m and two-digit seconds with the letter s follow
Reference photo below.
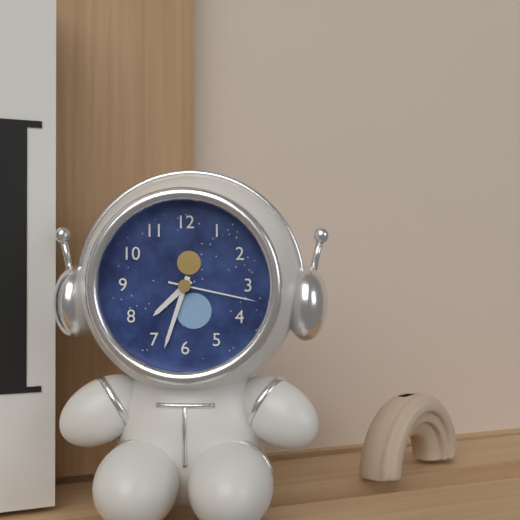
7h33m17s
